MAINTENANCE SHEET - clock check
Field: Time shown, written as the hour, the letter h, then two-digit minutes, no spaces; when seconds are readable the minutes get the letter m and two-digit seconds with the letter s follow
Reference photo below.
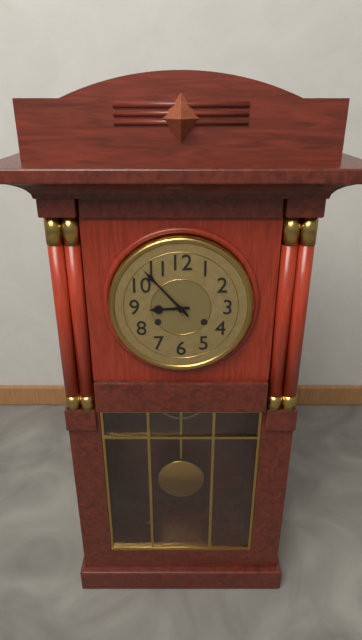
8h53
